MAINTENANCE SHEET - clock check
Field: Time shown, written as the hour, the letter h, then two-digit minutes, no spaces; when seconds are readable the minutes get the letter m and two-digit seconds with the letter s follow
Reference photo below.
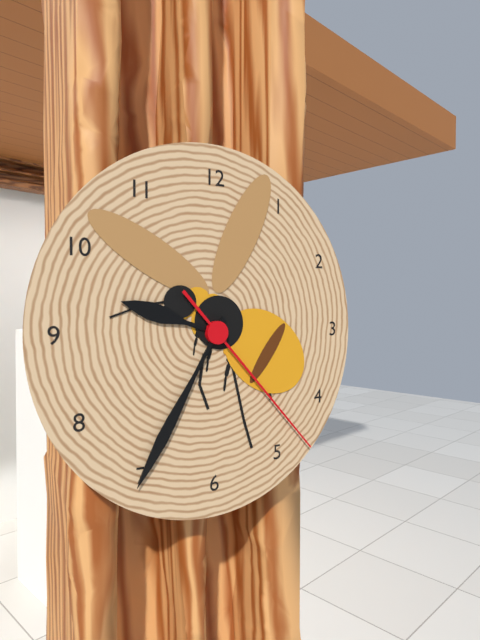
9h35m23s
